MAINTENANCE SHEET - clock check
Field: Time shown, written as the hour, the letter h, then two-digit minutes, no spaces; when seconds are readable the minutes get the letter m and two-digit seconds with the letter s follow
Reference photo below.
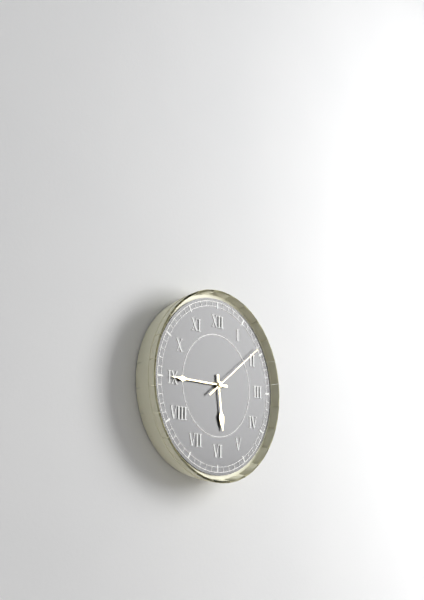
5h45m09s
